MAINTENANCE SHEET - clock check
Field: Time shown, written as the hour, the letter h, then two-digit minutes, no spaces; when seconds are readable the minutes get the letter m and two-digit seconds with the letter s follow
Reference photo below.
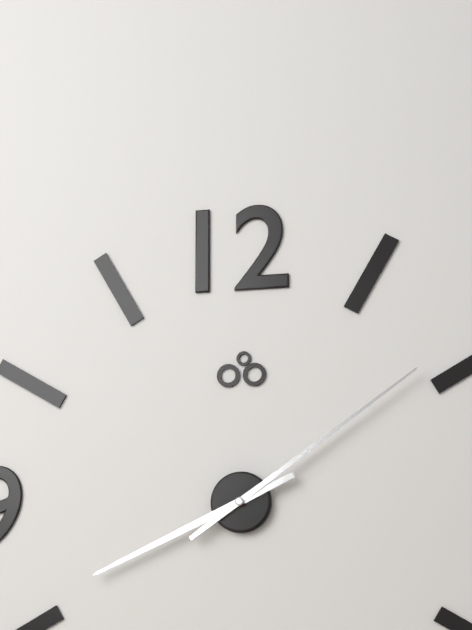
8h09
